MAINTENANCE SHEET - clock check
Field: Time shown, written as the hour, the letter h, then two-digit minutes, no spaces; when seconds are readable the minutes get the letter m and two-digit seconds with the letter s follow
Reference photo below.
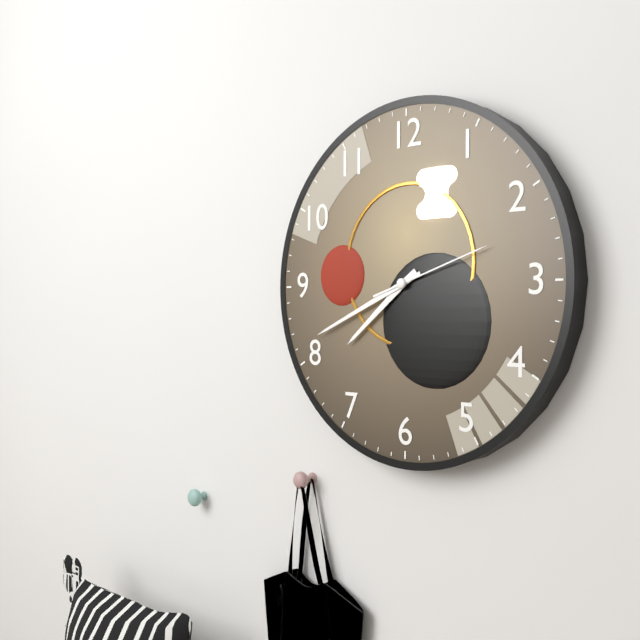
7h41m12s
